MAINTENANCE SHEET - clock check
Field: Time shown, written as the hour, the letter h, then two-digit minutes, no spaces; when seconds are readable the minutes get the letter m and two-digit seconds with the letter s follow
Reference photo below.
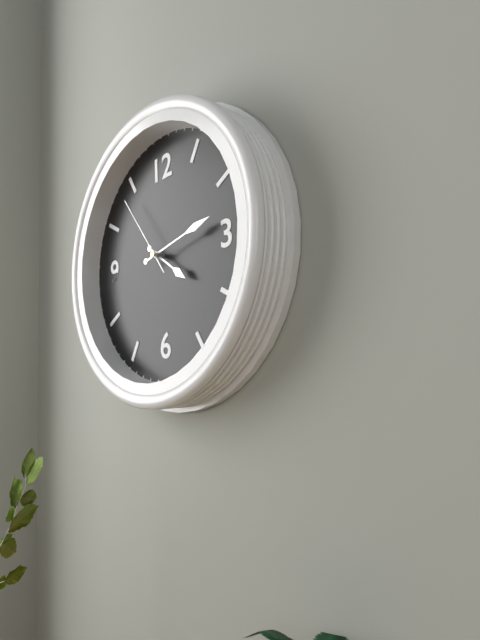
4h13m54s
